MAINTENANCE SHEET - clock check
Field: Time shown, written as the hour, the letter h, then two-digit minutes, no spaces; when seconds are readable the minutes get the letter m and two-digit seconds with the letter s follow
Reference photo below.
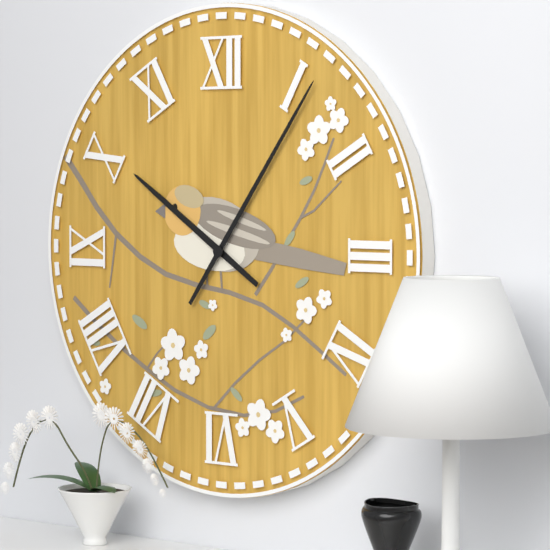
10h06
